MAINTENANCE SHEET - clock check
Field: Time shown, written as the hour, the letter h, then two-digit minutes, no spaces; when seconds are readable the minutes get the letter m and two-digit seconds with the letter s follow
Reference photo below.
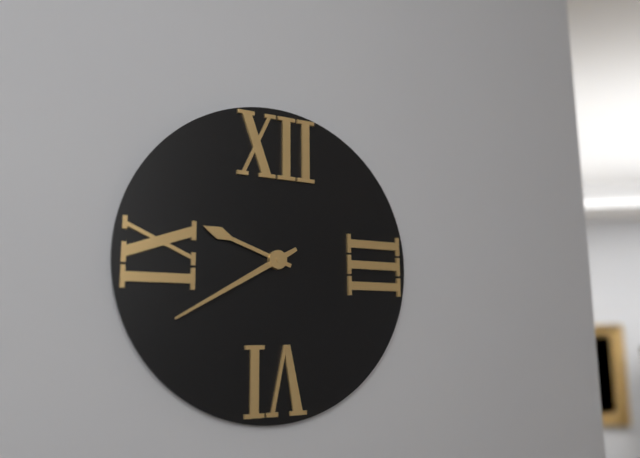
9h40
